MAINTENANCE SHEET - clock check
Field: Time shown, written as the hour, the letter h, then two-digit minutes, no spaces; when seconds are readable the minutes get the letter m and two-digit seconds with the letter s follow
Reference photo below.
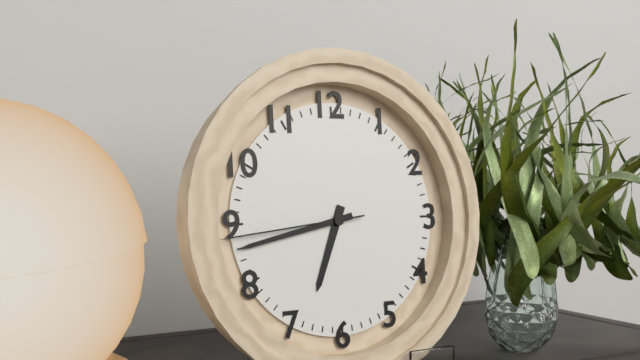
6h43m44s
